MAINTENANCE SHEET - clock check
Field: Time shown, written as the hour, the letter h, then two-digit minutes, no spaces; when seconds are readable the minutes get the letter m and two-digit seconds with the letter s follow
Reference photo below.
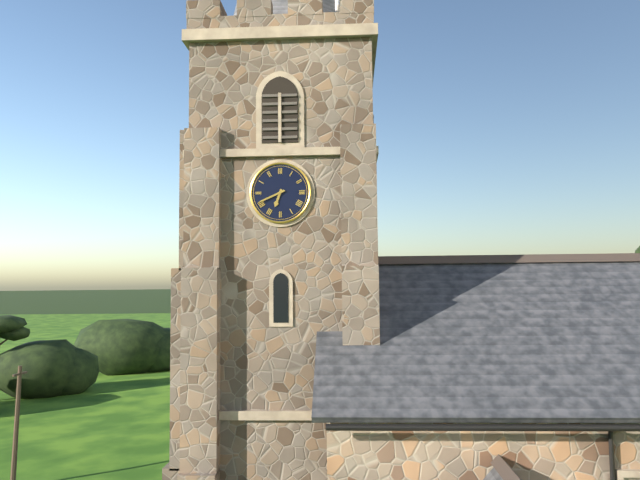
6h41
